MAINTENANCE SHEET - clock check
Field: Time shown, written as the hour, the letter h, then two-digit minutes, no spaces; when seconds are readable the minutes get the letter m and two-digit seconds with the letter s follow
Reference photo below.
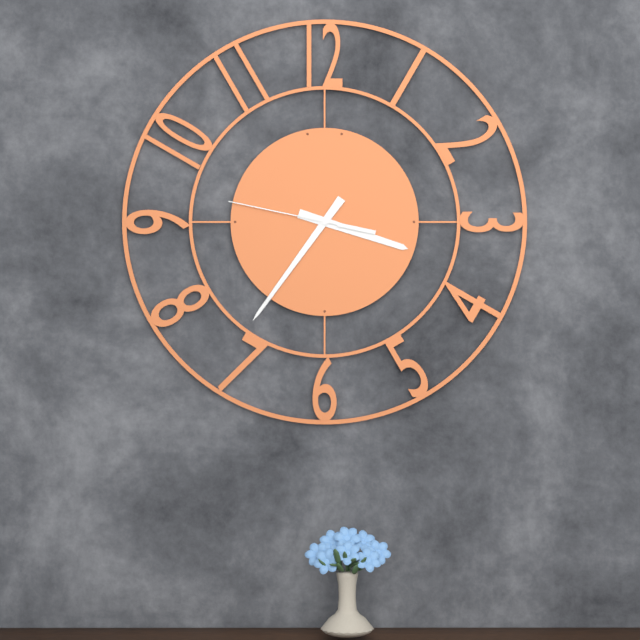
3h36m47s
